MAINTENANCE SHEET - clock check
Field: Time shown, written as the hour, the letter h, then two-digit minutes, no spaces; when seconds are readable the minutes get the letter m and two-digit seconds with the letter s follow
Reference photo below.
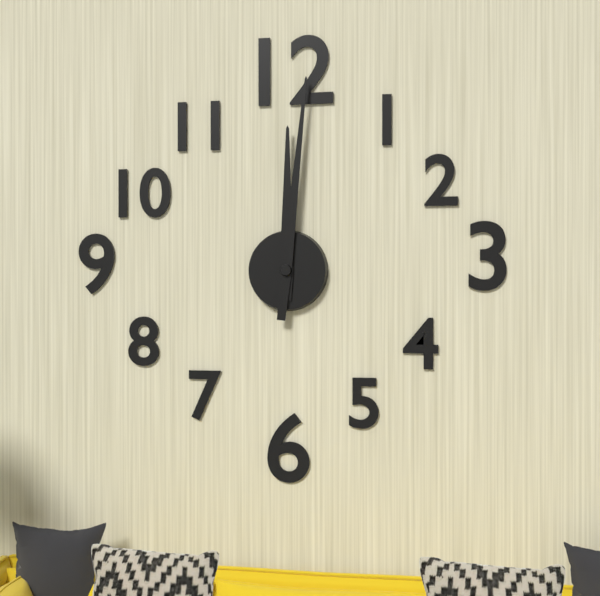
12h01
